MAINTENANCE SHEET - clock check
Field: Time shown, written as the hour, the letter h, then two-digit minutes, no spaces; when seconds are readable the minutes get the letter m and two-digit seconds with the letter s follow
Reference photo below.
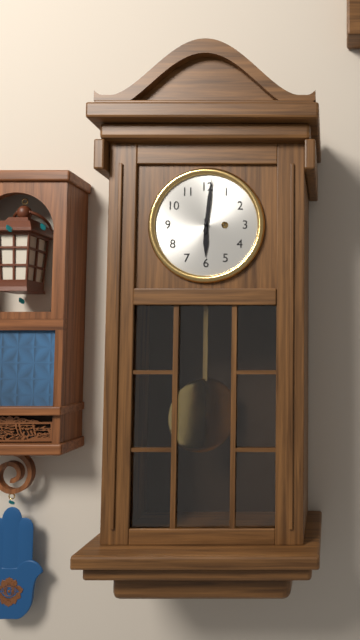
6h01
